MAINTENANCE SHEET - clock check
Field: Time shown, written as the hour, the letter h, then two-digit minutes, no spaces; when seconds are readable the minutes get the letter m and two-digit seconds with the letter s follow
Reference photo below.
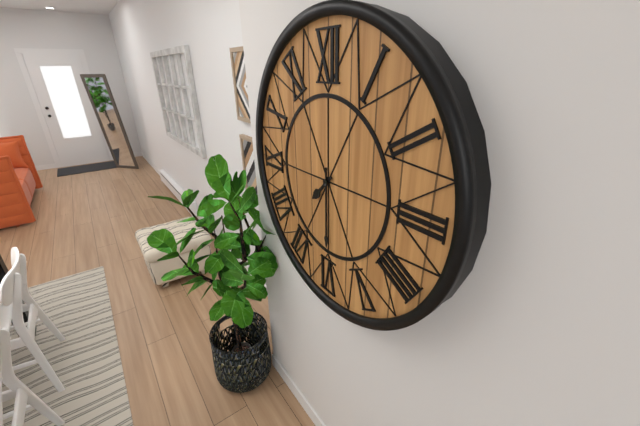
7h30
